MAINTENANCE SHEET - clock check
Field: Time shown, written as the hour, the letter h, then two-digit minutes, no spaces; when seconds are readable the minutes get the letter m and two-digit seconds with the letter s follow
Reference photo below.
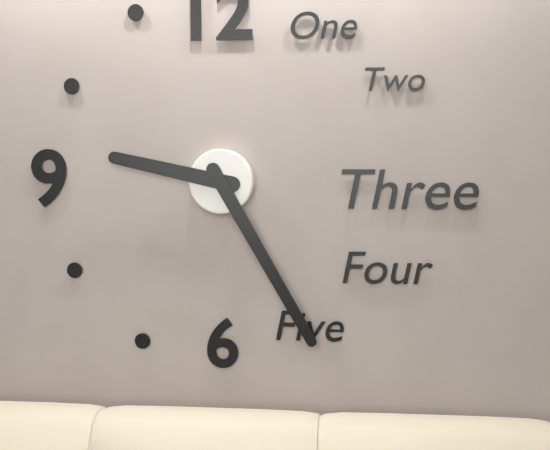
9h25
